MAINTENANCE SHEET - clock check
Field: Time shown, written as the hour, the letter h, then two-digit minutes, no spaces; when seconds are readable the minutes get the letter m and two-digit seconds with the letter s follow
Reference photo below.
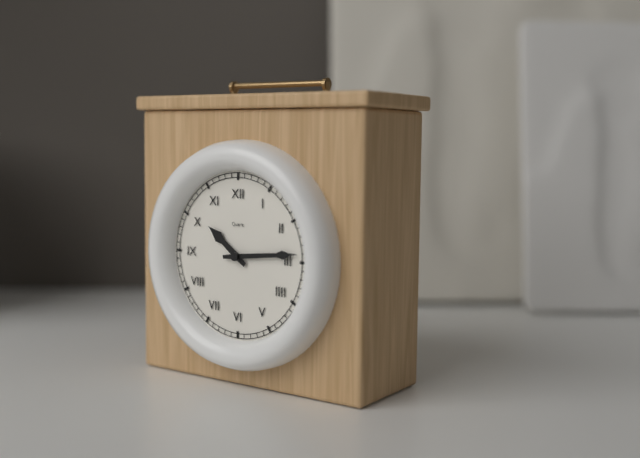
10h14
